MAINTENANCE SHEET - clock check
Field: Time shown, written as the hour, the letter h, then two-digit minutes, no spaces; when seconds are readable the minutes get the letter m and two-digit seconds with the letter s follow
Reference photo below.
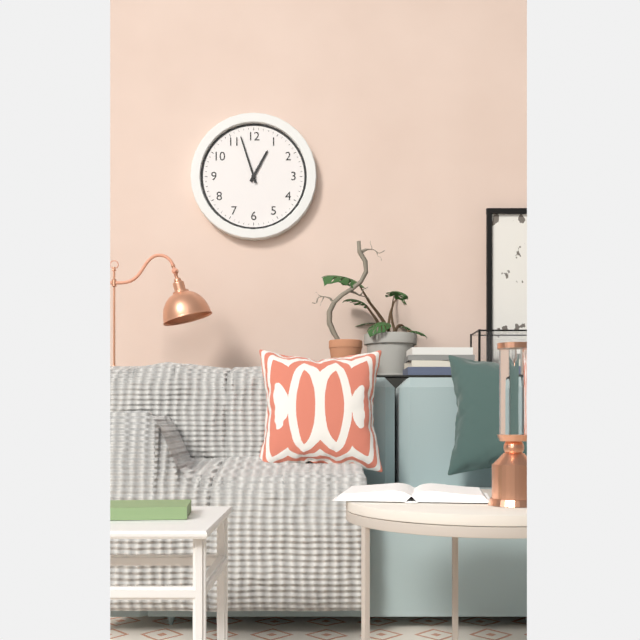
12h57
